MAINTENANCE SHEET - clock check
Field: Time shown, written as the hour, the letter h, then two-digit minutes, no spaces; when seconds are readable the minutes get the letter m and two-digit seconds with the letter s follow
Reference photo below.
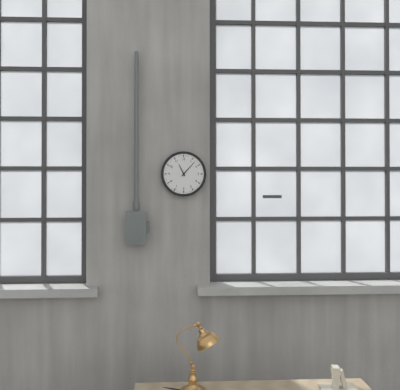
11h07
